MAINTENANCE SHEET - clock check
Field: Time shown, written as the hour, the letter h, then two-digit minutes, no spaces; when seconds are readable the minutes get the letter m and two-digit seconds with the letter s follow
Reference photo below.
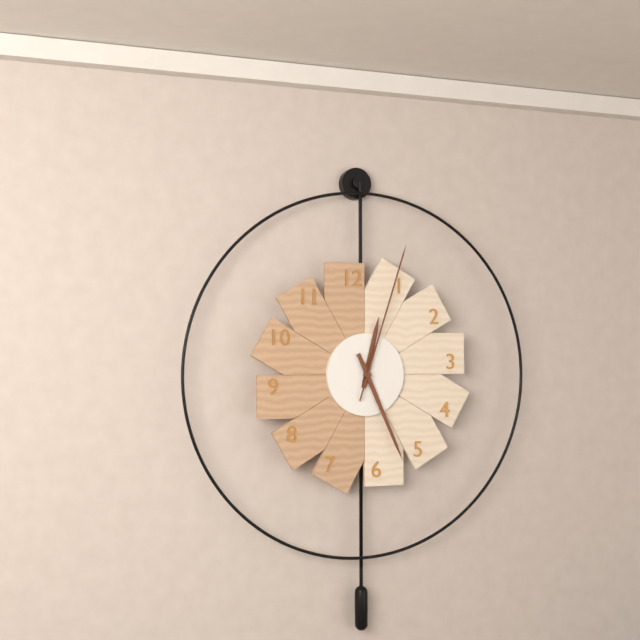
12h26m03s
